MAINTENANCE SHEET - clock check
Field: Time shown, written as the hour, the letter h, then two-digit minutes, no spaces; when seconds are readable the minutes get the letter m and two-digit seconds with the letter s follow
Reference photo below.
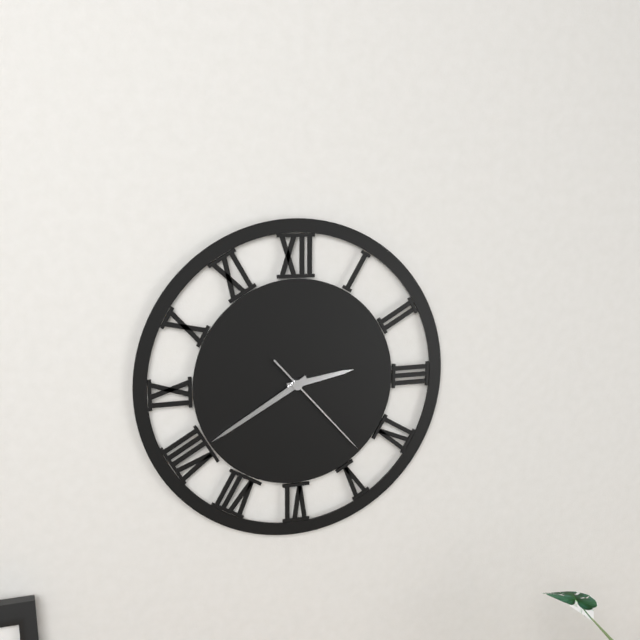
2h40m23s
